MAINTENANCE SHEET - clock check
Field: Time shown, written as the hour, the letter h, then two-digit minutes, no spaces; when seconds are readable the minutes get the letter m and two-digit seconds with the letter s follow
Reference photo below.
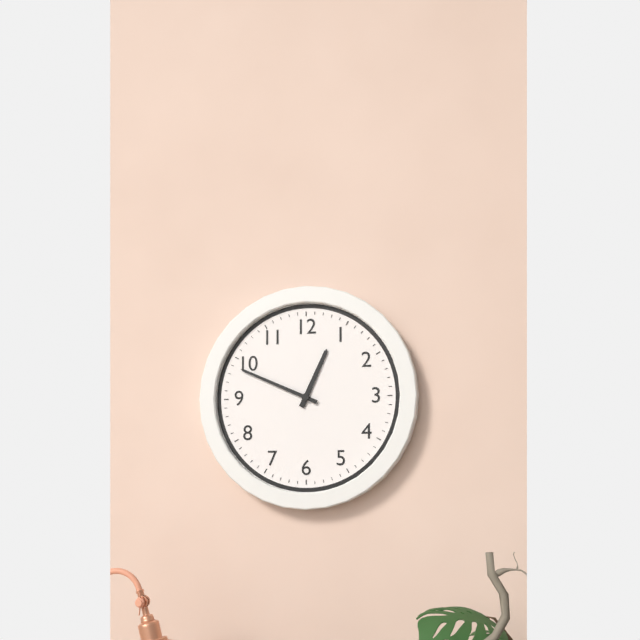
12h49
